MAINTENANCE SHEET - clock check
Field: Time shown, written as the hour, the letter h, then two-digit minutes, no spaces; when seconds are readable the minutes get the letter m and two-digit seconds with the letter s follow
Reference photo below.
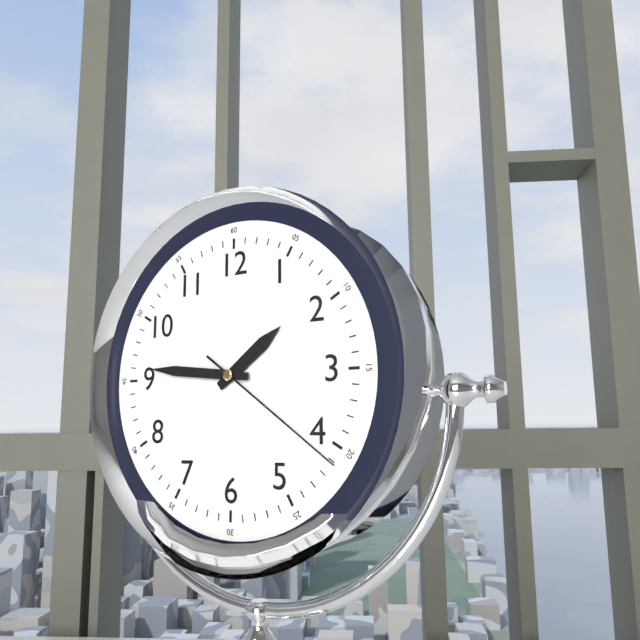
1h46m21s
